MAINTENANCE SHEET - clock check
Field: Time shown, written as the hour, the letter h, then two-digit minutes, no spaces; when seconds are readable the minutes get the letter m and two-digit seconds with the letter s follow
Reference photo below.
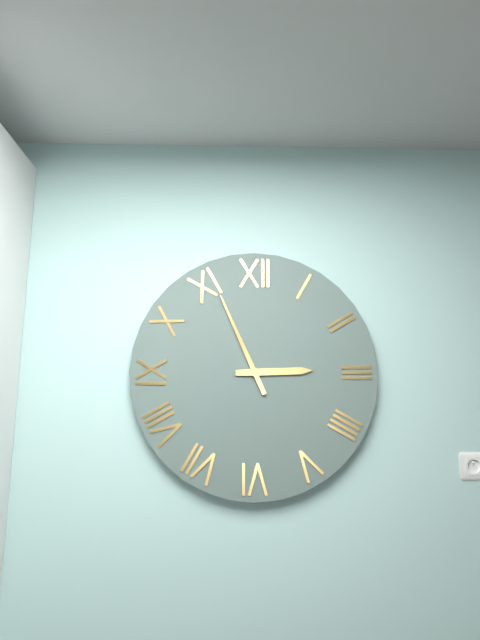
2h56
